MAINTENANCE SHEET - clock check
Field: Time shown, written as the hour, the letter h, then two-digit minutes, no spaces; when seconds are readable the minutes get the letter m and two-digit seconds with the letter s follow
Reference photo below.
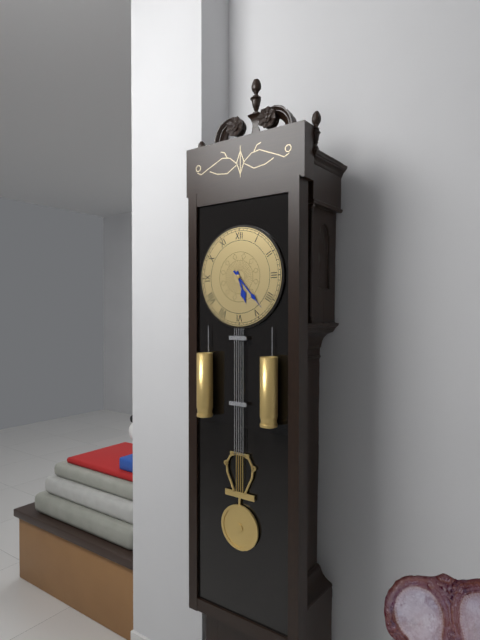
5h23
